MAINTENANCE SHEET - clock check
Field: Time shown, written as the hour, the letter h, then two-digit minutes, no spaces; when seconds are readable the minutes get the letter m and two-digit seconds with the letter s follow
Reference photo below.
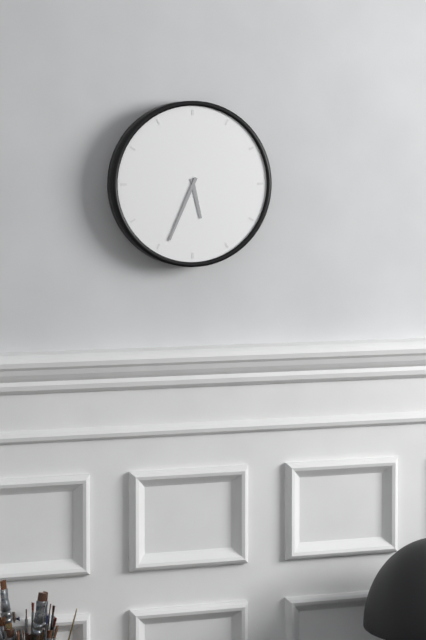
5h34
